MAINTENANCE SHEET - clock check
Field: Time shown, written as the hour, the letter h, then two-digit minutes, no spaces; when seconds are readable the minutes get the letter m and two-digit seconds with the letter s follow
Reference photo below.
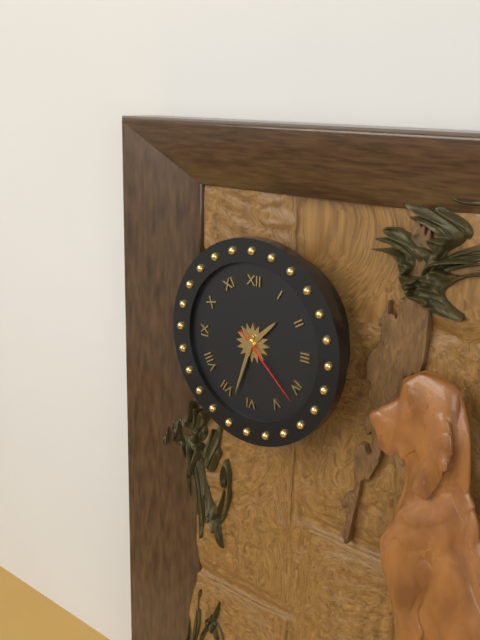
1h33m22s
